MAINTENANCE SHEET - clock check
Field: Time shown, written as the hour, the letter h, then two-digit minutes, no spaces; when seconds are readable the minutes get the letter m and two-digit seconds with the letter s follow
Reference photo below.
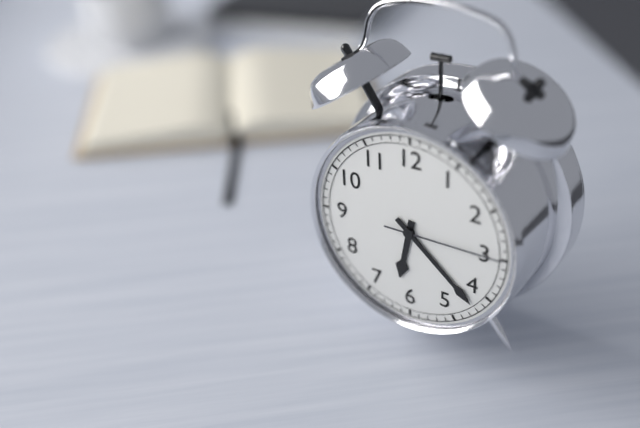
6h22m15s
